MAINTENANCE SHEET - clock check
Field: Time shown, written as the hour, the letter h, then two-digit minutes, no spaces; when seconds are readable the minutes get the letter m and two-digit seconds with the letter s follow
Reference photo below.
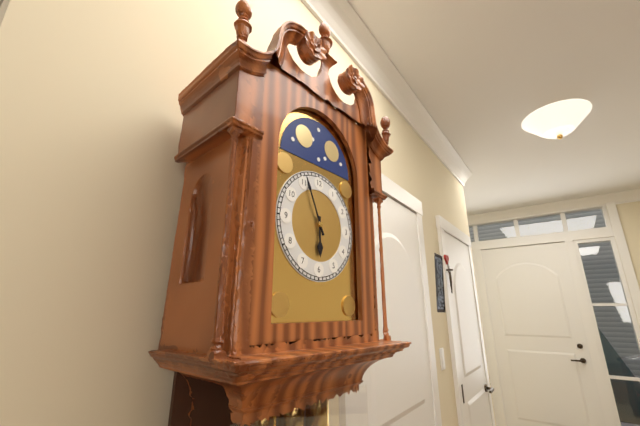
5h56
